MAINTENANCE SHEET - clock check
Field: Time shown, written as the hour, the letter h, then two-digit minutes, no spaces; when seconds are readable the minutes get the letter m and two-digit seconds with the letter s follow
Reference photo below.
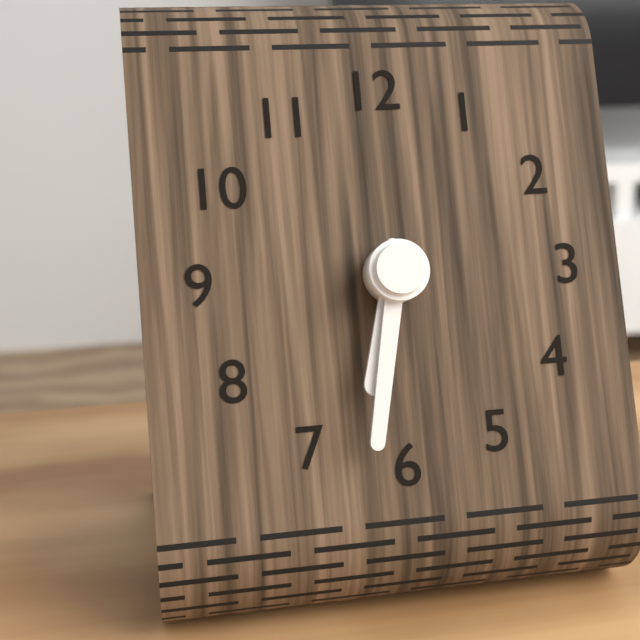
6h32
